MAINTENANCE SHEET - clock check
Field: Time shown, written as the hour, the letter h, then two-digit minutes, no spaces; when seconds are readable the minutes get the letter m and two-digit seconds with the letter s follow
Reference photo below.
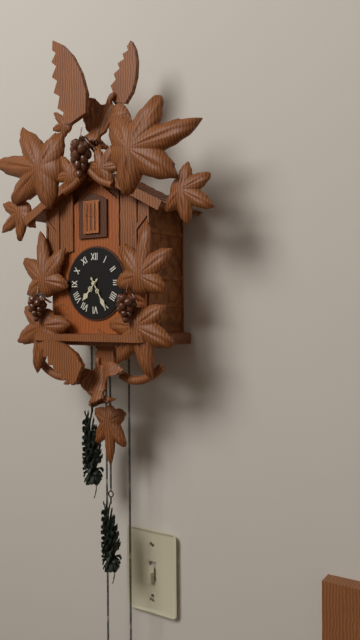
7h25
